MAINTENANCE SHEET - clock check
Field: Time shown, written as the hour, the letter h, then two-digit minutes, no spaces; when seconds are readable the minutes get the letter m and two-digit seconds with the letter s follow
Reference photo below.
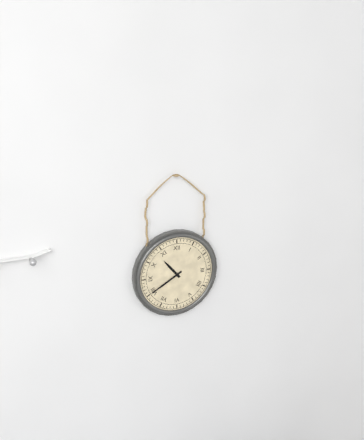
10h40
